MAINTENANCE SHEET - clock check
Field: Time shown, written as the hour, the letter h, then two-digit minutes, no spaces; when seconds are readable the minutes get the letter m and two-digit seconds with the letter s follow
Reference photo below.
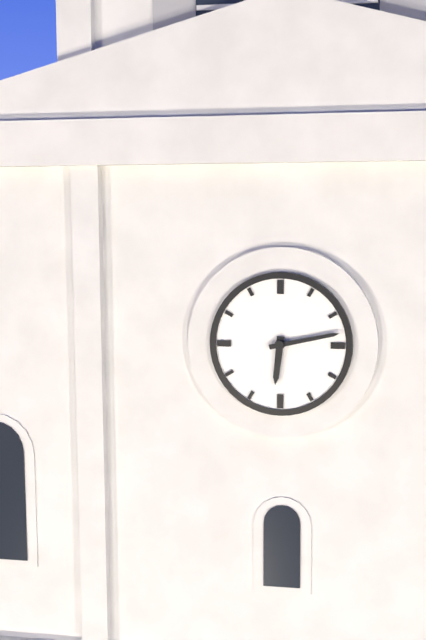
6h13
